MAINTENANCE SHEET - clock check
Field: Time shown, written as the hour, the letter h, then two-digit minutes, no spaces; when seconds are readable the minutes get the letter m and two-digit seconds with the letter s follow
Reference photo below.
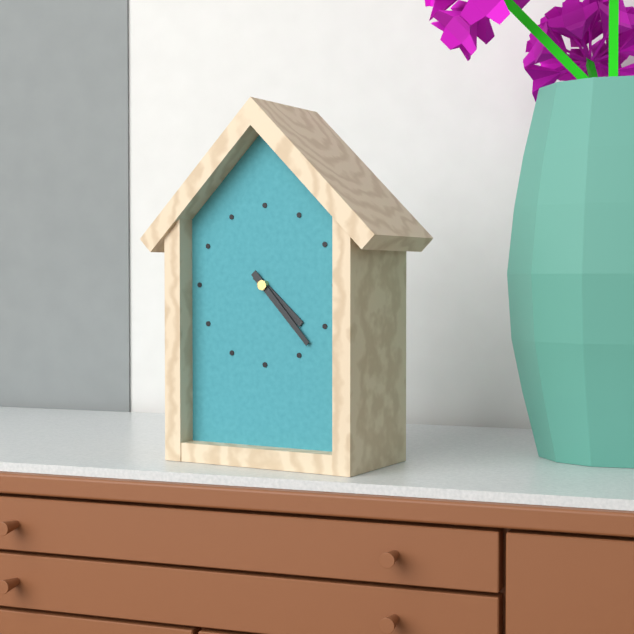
4h23
